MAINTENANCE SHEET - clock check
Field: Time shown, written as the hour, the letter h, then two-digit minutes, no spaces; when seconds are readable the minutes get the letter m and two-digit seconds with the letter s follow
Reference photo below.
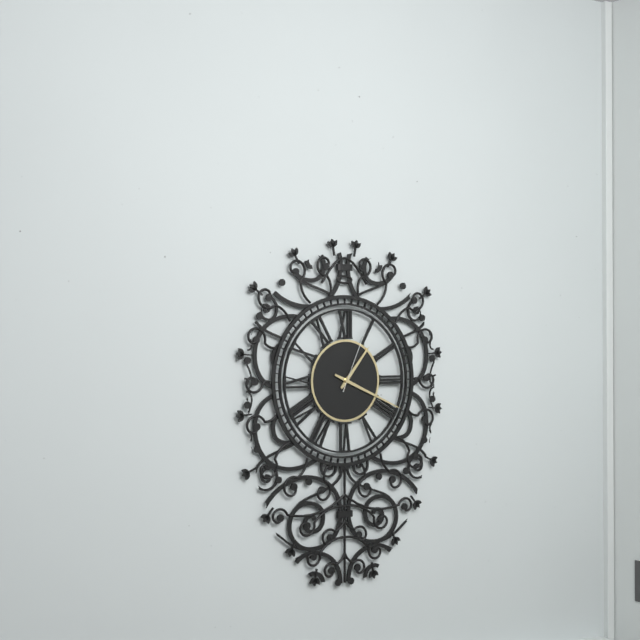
1h19m04s
